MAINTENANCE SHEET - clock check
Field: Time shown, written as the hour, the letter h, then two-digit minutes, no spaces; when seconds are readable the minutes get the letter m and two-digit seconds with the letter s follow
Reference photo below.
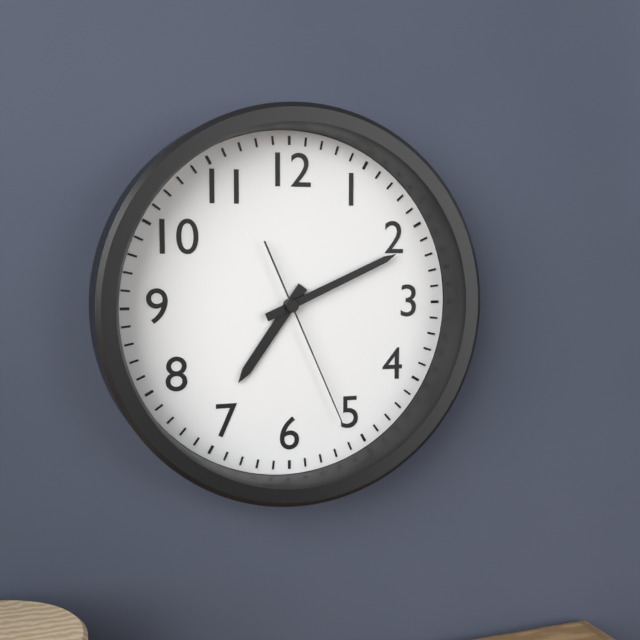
7h11m26s
